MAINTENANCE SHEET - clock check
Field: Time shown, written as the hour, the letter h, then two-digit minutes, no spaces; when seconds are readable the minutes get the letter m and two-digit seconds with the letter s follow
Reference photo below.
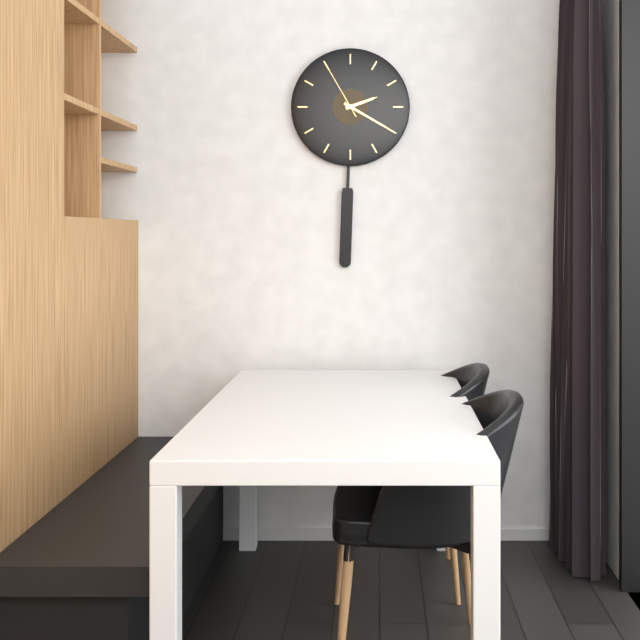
2h20m55s
